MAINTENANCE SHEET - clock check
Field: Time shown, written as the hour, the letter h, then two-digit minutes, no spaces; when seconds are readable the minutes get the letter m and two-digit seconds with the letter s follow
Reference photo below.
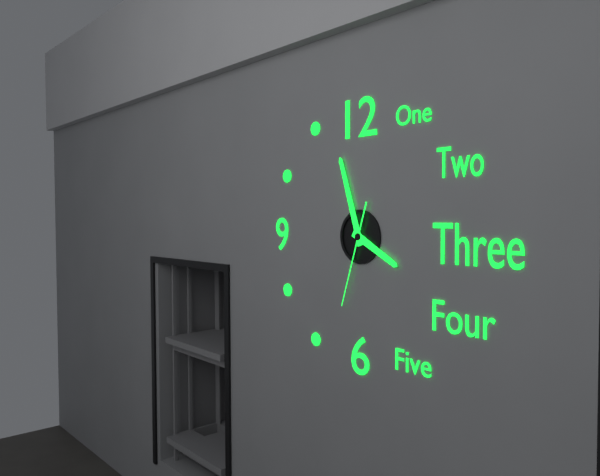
3h57m33s
